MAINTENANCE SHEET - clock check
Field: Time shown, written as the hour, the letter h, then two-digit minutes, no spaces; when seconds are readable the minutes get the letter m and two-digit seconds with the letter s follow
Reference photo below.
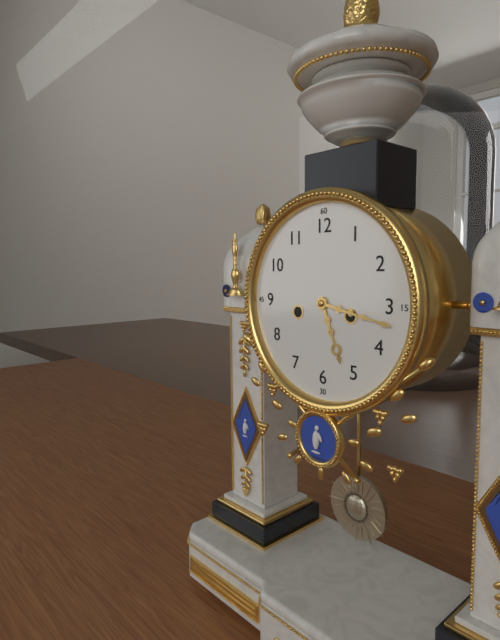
5h17
